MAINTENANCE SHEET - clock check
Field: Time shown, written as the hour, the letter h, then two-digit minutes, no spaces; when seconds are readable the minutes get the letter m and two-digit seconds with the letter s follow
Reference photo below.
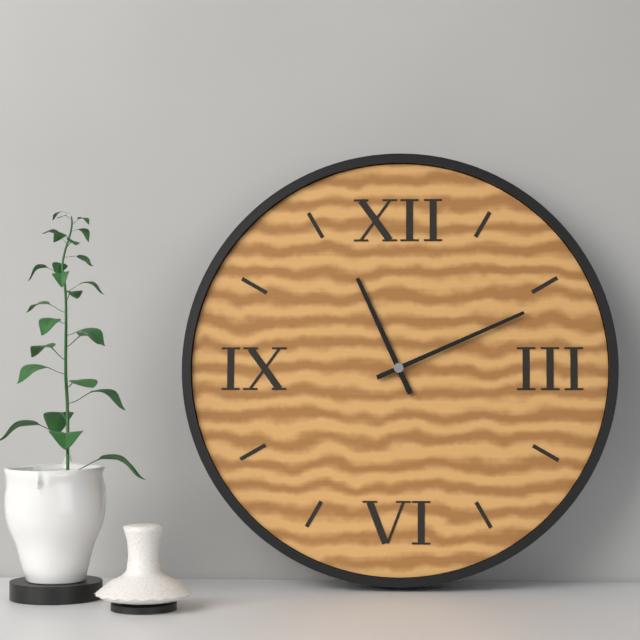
11h11
